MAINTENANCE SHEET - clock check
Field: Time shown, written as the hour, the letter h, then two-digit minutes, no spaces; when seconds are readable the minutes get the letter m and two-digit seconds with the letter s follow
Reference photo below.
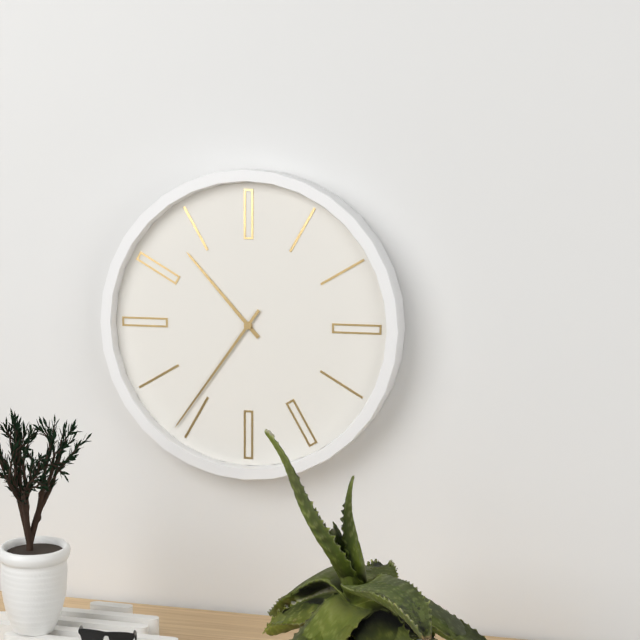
10h36
